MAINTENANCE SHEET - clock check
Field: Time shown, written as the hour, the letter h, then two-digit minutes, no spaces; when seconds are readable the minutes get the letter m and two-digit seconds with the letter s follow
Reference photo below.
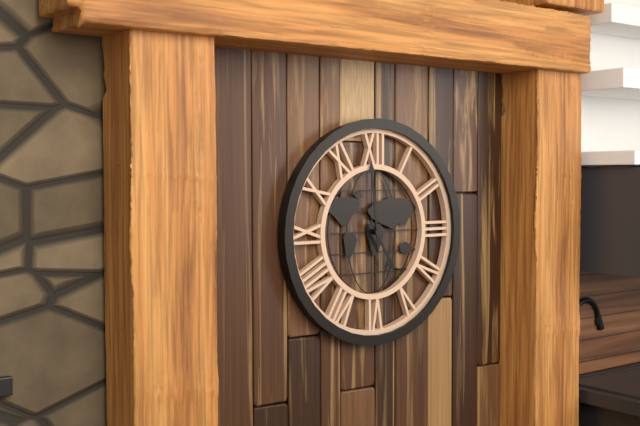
4h59
